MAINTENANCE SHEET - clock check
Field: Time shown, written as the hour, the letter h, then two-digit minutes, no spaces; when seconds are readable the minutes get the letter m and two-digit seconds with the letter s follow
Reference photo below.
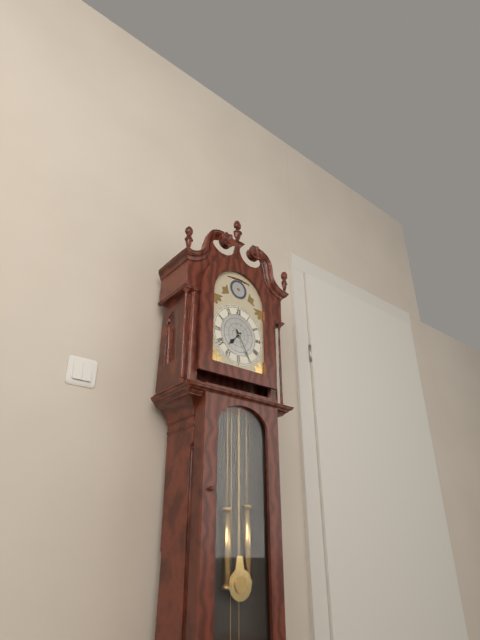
7h25
